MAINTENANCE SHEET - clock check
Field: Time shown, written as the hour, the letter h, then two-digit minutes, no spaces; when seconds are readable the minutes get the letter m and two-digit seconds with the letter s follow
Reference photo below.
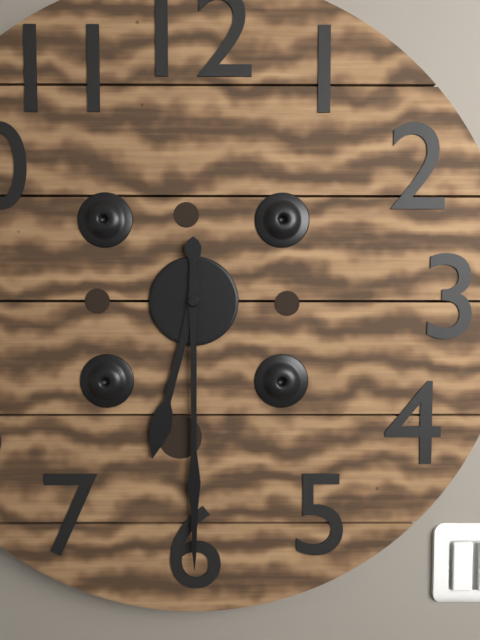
6h30
